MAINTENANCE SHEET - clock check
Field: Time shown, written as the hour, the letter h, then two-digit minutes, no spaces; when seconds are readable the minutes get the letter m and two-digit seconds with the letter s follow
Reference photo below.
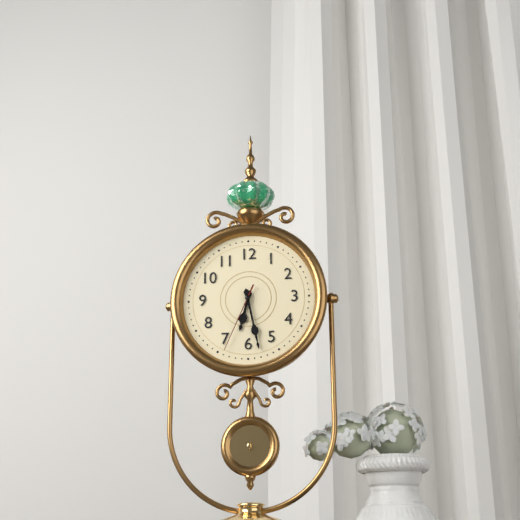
6h28m34s
